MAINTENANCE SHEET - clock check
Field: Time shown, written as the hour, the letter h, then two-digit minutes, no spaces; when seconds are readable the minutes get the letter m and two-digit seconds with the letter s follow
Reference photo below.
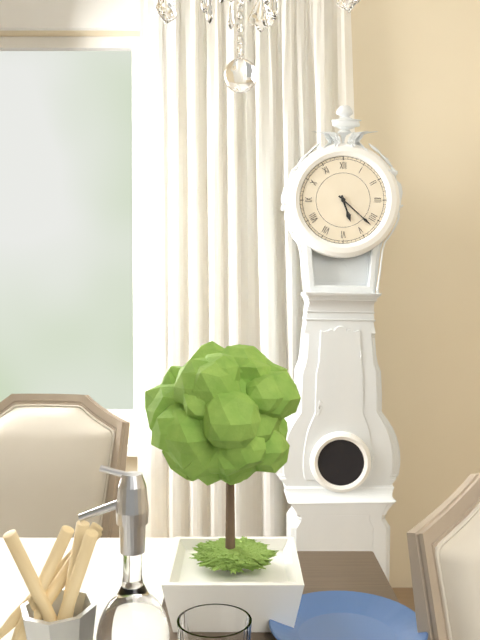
5h22
